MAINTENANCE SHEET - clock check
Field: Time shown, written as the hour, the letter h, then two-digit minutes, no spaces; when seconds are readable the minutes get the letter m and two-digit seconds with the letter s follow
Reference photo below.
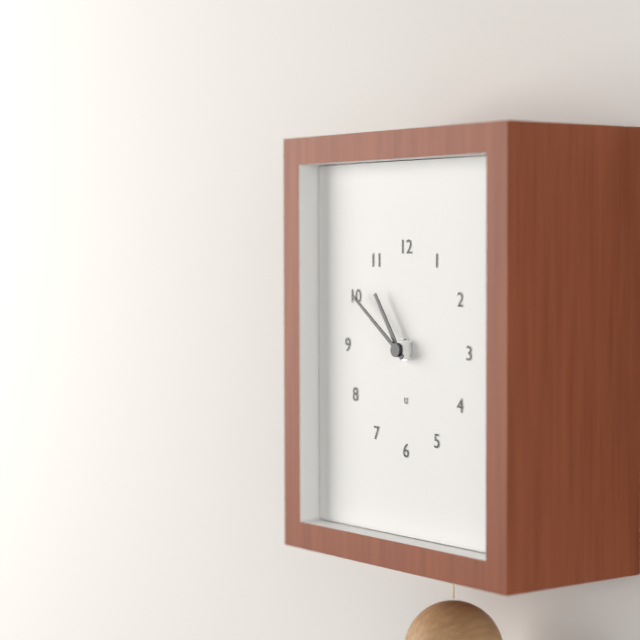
10h51
